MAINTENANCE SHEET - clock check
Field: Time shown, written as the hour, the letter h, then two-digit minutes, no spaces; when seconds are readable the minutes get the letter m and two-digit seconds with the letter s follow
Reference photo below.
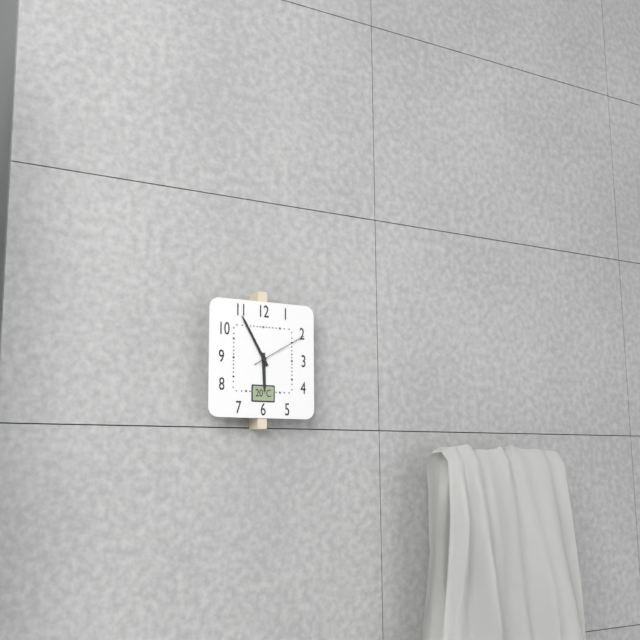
5h55m10s
